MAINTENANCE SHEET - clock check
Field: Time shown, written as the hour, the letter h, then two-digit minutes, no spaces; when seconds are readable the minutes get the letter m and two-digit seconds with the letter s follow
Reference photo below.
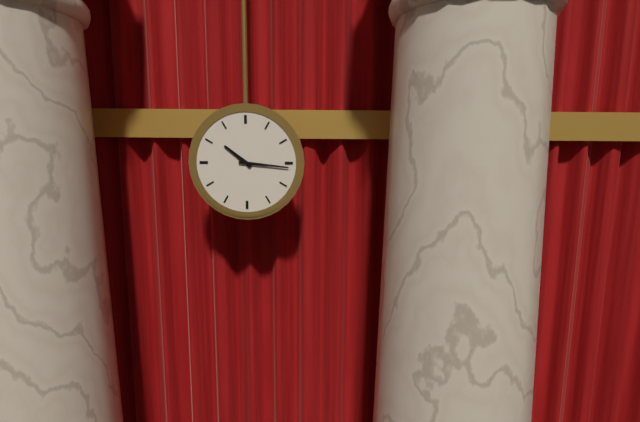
10h16
